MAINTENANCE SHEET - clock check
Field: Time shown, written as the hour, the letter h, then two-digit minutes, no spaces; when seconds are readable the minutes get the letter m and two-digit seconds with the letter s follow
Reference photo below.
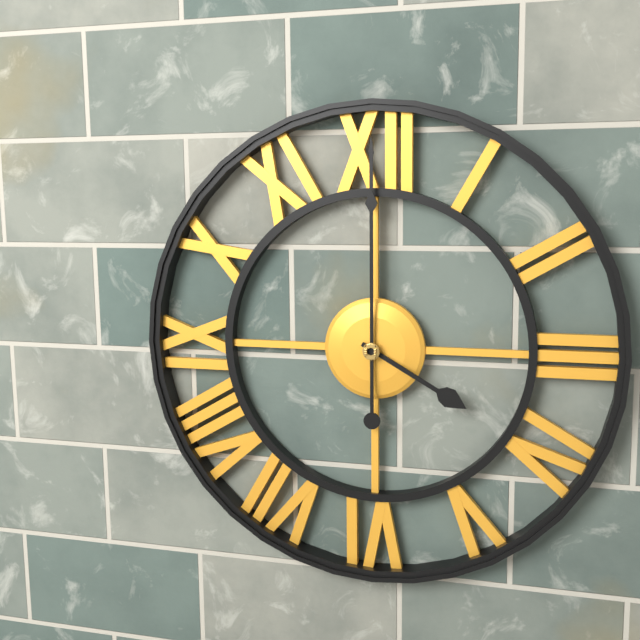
4h00
